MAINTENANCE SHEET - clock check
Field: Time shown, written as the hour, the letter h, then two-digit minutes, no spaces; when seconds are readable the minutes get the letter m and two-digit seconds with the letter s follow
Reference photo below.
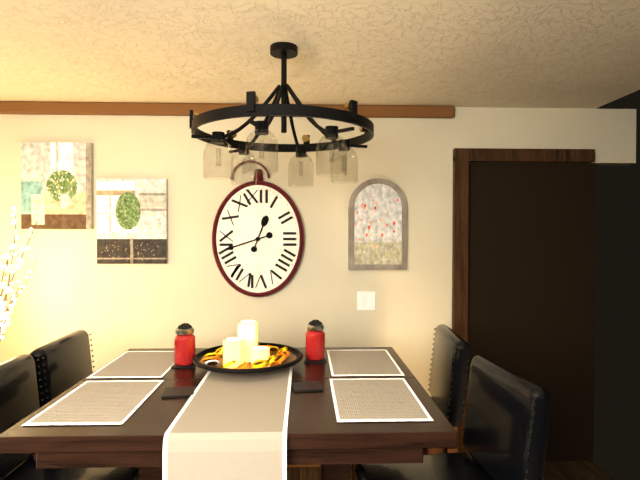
12h42
